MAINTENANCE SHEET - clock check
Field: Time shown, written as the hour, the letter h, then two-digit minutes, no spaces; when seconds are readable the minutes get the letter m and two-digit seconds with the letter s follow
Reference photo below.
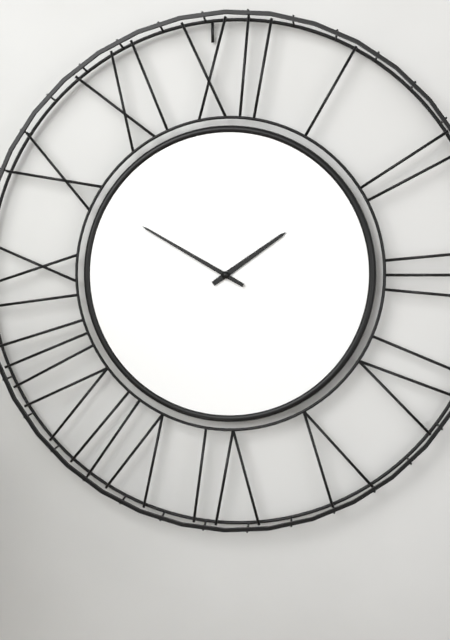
1h50
